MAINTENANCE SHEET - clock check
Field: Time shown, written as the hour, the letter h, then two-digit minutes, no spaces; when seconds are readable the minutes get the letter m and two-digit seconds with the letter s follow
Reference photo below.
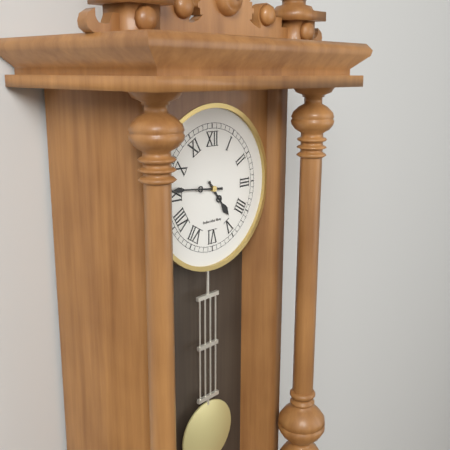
4h46
